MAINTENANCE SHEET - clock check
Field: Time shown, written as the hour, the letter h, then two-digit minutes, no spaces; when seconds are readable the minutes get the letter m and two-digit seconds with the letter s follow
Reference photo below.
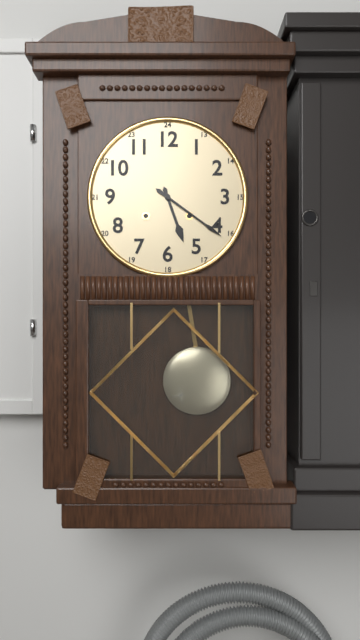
5h21
